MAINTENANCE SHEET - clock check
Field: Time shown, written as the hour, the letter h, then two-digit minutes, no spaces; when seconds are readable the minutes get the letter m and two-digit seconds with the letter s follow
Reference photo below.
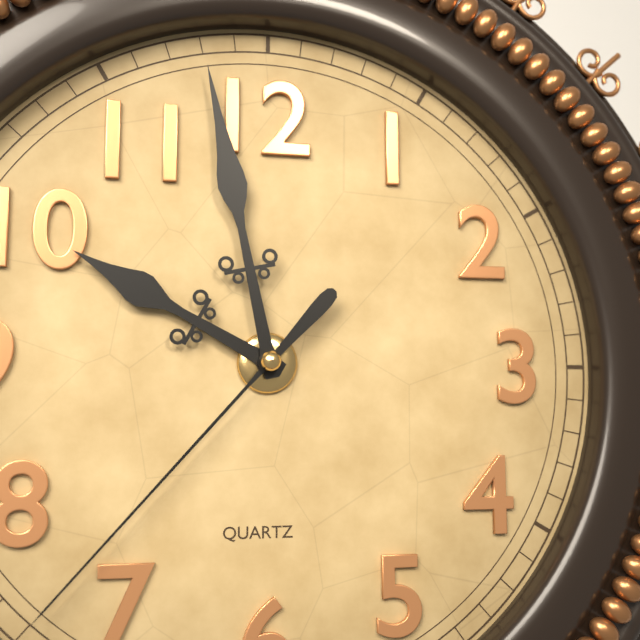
9h58m37s
